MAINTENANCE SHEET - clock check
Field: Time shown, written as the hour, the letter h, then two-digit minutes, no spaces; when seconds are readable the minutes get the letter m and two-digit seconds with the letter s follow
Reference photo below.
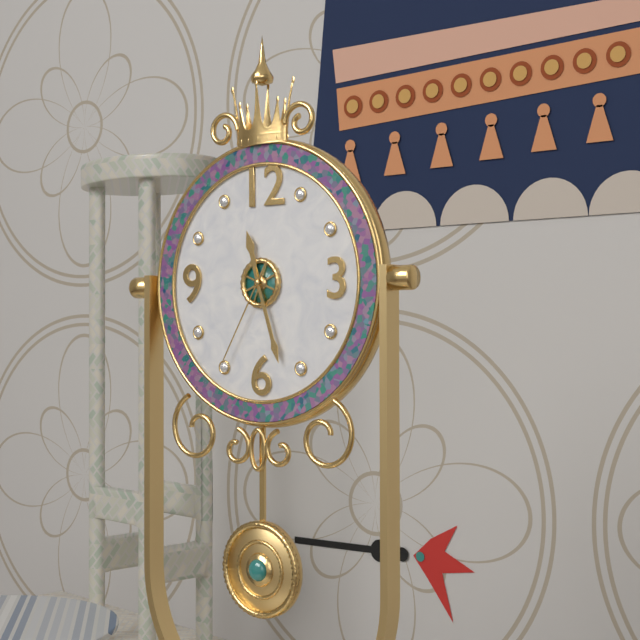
11h27m35s
